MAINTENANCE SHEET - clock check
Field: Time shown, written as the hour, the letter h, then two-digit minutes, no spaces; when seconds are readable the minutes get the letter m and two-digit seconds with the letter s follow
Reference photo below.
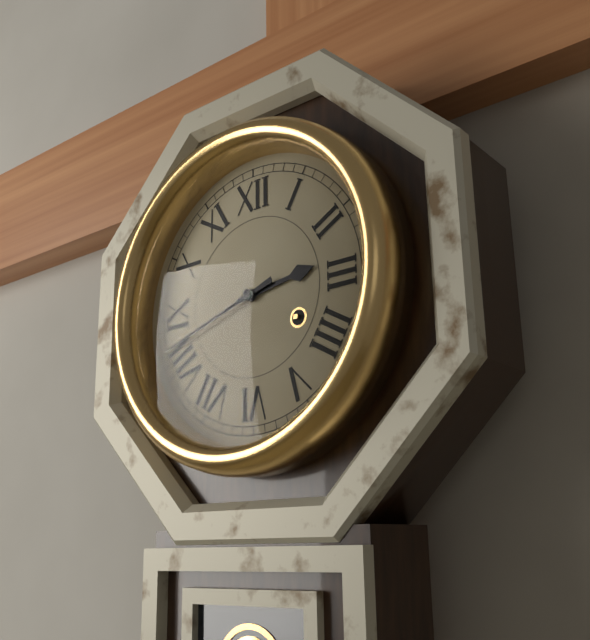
2h42
